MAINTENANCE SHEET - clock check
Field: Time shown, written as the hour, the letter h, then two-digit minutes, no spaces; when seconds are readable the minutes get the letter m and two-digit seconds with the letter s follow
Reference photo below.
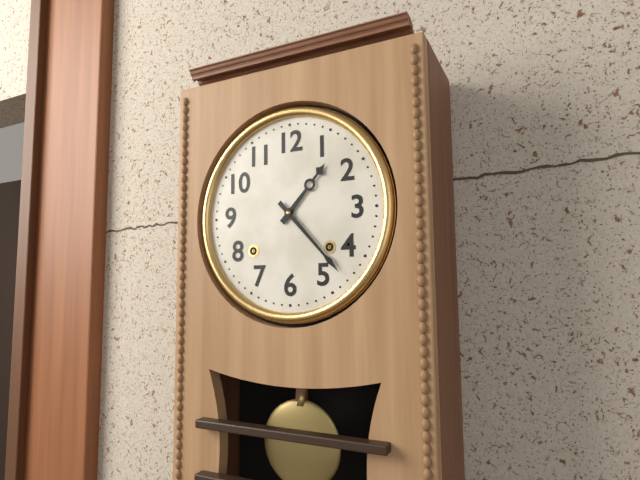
1h23
